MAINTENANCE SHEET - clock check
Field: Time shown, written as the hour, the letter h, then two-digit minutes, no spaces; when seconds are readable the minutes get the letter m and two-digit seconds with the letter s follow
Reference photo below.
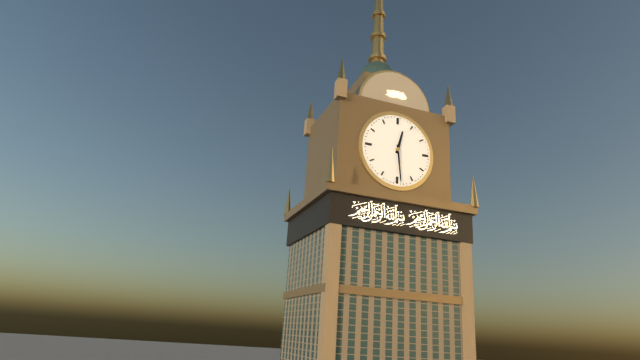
12h29
